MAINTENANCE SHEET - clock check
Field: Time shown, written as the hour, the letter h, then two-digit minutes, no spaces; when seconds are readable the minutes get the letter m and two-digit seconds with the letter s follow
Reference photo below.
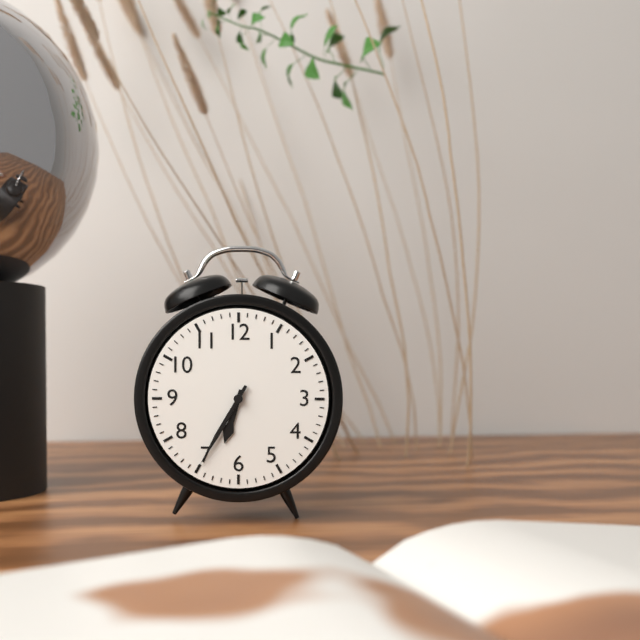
6h35
